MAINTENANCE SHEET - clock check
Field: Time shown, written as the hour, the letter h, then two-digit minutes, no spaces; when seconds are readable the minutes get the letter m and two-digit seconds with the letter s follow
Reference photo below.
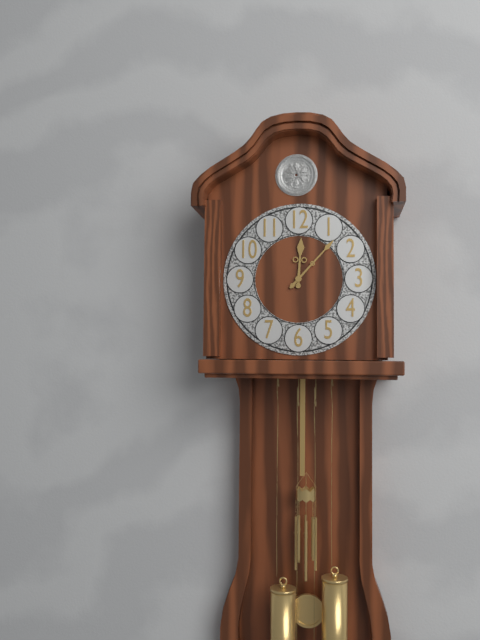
12h07
